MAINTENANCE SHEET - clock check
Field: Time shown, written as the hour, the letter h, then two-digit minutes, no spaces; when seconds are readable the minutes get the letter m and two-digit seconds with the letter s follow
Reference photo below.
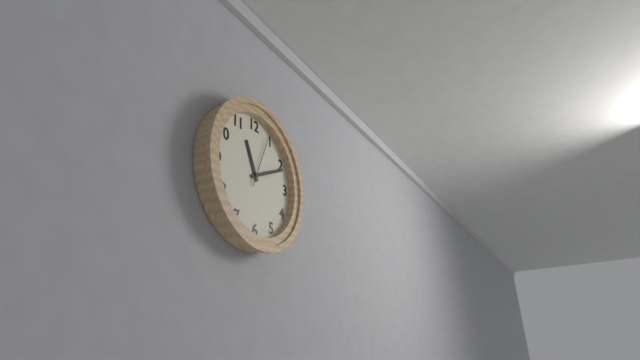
11h11m04s
